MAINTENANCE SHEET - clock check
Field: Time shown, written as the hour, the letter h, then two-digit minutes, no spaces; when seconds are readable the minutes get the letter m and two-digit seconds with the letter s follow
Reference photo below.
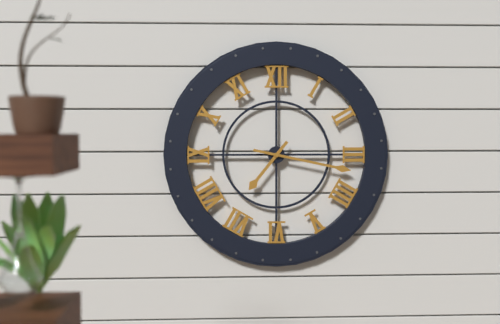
7h17
